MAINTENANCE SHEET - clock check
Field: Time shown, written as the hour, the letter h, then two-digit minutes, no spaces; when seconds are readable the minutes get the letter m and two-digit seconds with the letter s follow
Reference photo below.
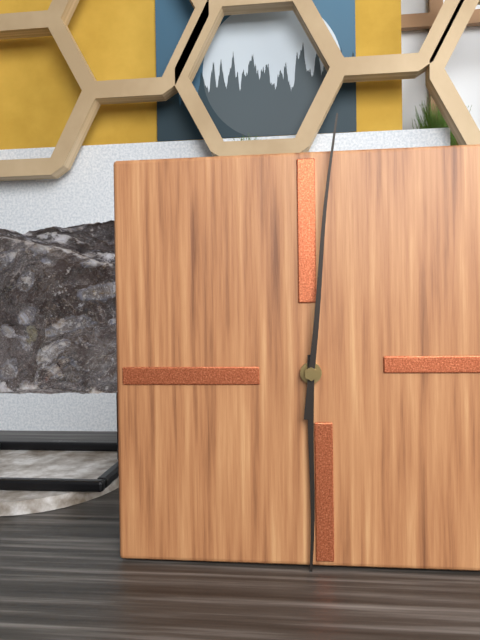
6h01
